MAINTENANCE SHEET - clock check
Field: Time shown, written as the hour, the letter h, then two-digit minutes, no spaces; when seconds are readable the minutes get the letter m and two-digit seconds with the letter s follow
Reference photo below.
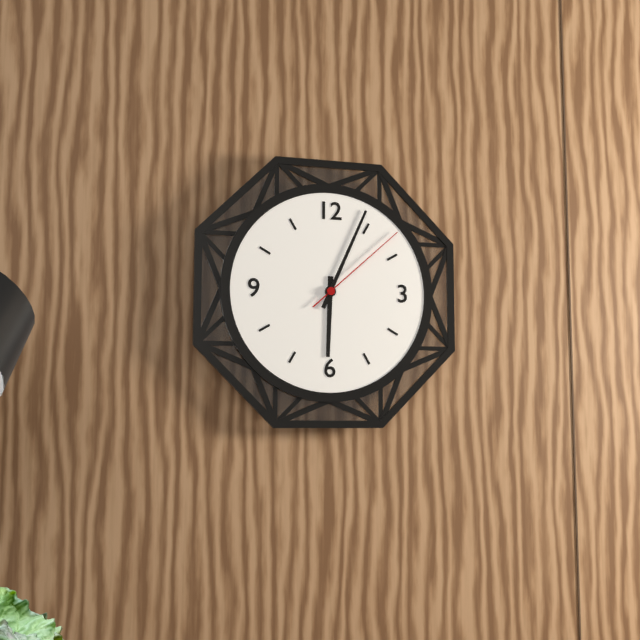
6h04m08s
